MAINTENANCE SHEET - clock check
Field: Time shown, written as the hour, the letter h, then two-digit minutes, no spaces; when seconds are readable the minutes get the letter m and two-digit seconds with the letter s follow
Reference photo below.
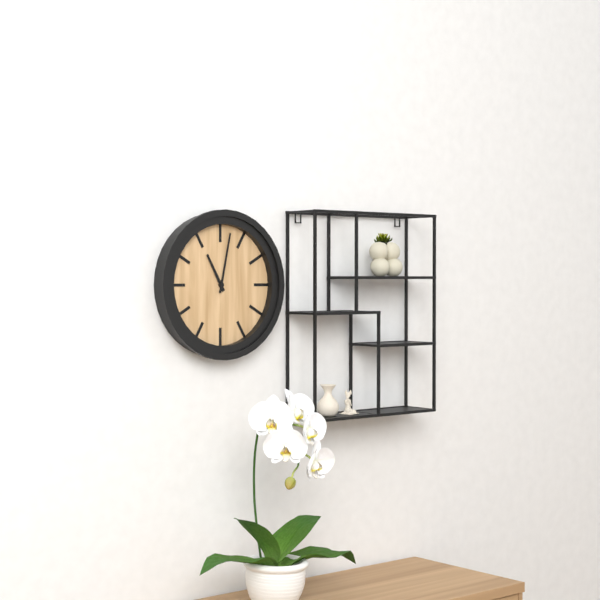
11h02
